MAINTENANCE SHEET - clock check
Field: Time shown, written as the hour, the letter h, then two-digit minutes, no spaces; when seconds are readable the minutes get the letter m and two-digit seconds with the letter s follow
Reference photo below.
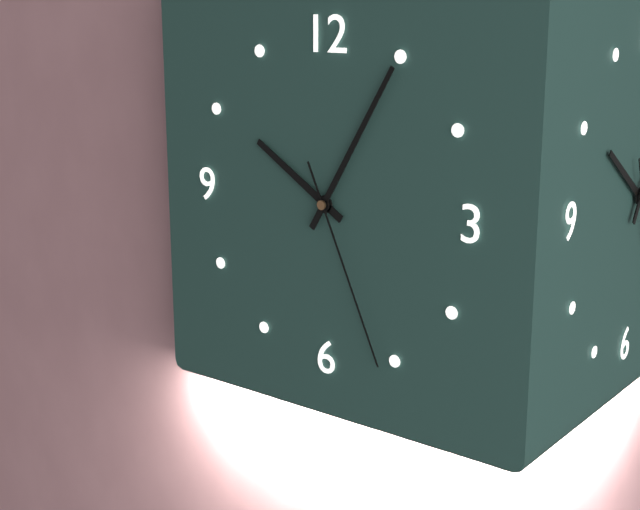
10h05m26s
